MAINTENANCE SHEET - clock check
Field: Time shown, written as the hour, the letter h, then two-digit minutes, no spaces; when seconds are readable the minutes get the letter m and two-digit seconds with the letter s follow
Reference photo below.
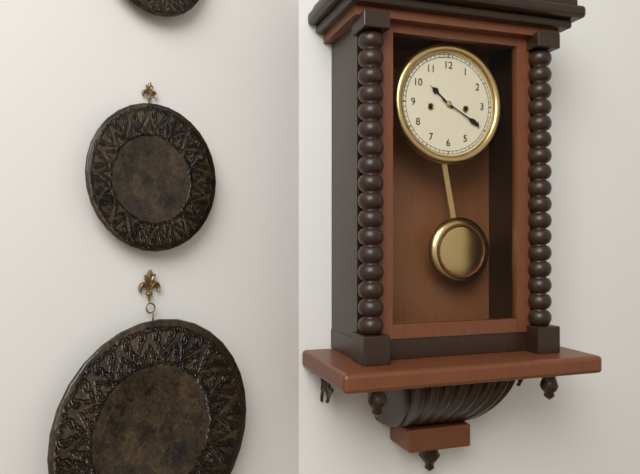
10h20
